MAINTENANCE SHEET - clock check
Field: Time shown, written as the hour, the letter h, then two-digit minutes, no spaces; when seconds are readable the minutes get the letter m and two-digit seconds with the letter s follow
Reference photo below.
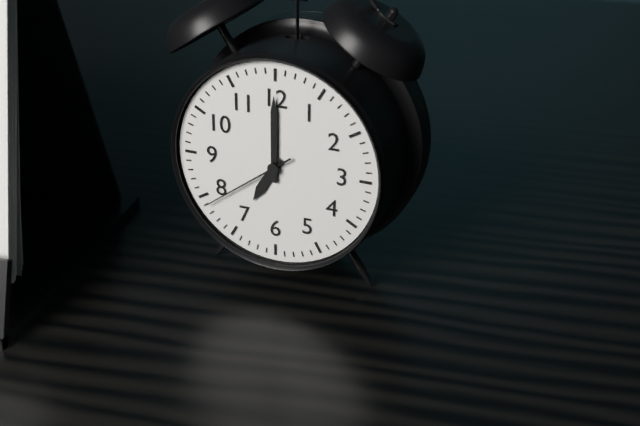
7h00m39s
